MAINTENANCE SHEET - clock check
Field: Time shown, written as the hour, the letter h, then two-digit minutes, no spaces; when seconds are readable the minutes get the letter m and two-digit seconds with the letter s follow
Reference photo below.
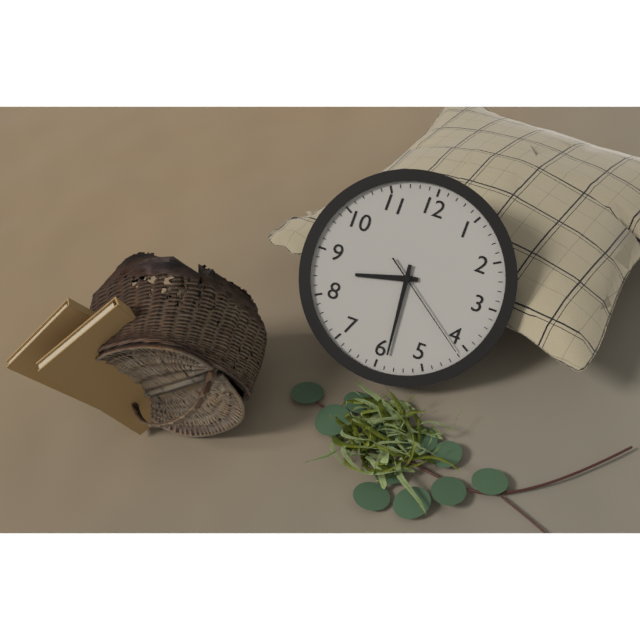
8h29m21s
